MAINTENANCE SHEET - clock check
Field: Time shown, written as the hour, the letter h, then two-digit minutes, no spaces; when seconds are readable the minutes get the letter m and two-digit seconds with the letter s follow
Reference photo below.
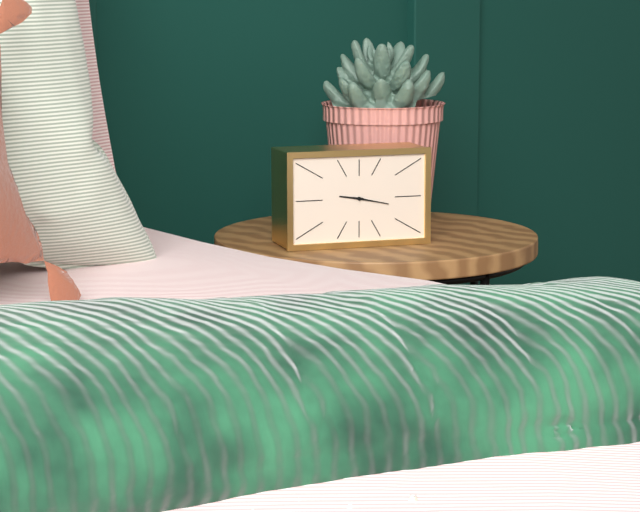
9h17
